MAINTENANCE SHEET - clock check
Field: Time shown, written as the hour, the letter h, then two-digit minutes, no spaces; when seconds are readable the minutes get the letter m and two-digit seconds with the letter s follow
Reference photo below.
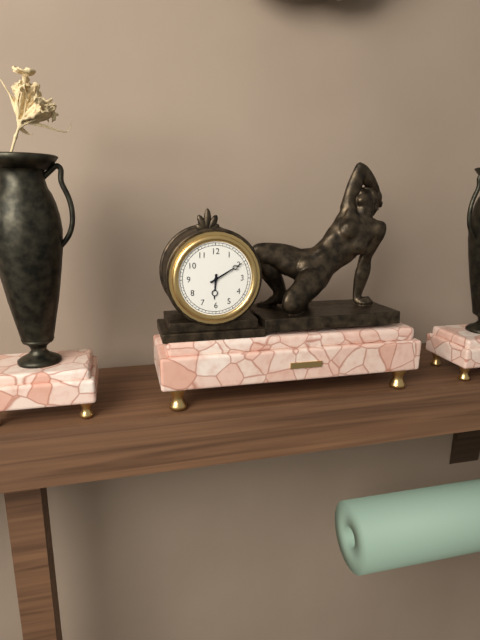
6h10
